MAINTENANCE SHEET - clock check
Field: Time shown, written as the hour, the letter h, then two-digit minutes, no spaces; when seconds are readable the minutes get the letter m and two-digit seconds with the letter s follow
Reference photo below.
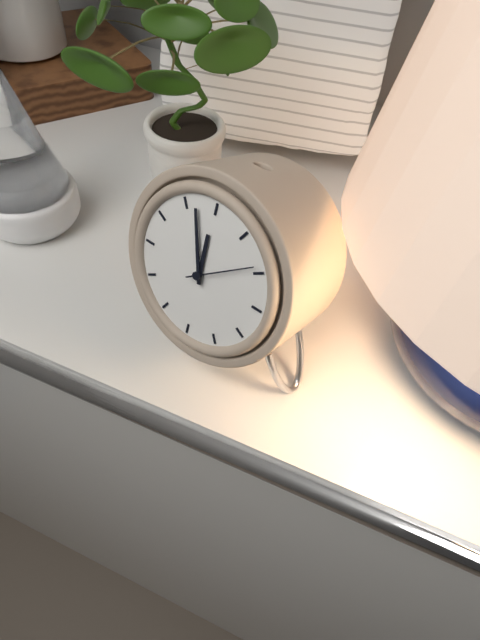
11h57m09s
